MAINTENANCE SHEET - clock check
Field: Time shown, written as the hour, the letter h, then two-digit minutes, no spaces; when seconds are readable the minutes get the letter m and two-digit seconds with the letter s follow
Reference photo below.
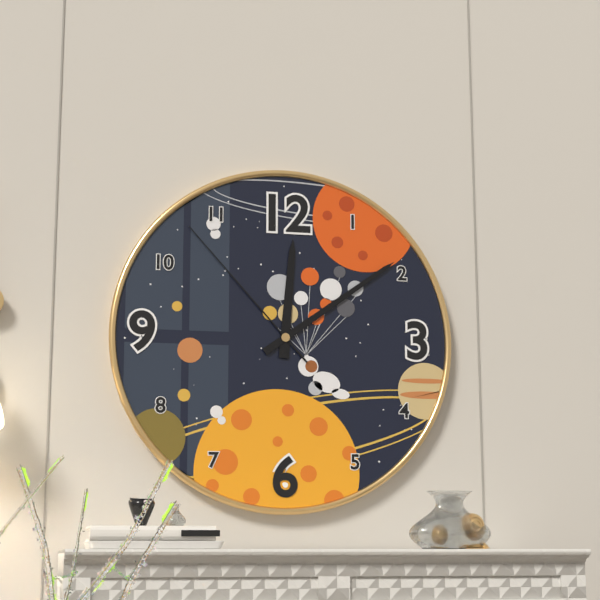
12h09m53s
